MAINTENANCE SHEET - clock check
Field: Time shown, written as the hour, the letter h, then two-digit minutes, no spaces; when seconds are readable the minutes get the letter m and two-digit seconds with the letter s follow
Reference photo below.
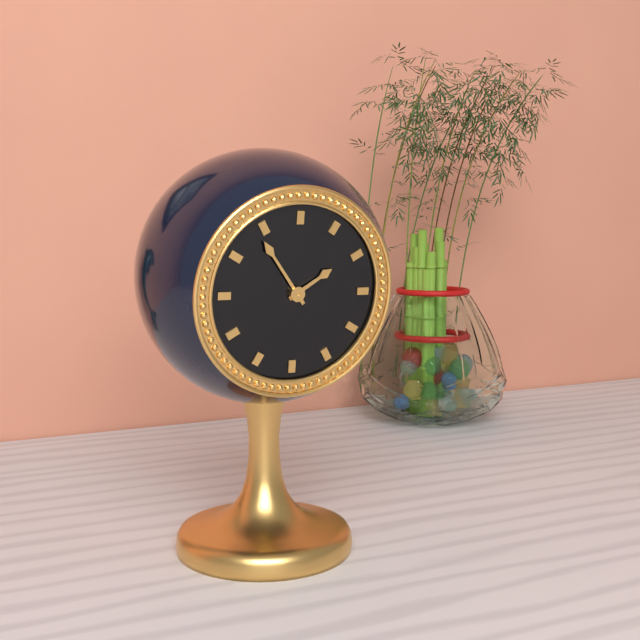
1h54
